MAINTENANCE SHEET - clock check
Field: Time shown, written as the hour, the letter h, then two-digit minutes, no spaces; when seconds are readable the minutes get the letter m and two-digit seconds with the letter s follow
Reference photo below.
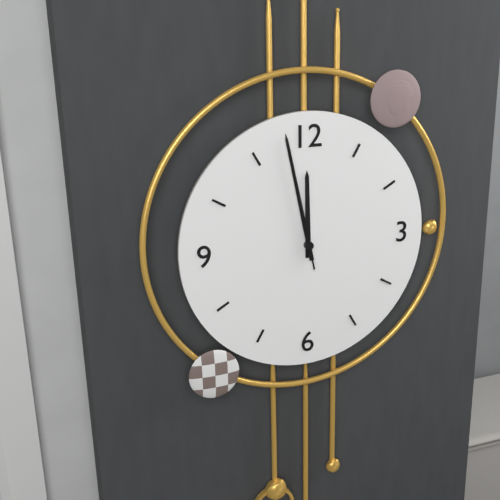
11h58m58s
